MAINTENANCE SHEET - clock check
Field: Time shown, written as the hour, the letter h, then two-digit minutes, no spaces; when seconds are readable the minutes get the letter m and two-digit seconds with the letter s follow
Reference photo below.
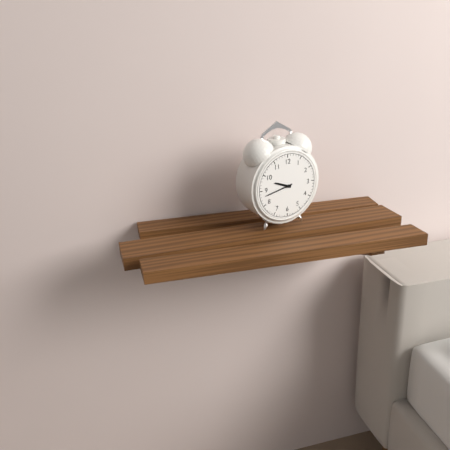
9h43
